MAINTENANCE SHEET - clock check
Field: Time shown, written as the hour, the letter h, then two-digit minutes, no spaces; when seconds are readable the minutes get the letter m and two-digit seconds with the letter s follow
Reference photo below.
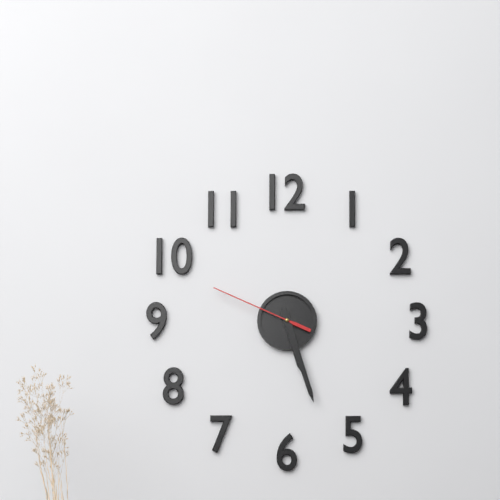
5h27m49s
